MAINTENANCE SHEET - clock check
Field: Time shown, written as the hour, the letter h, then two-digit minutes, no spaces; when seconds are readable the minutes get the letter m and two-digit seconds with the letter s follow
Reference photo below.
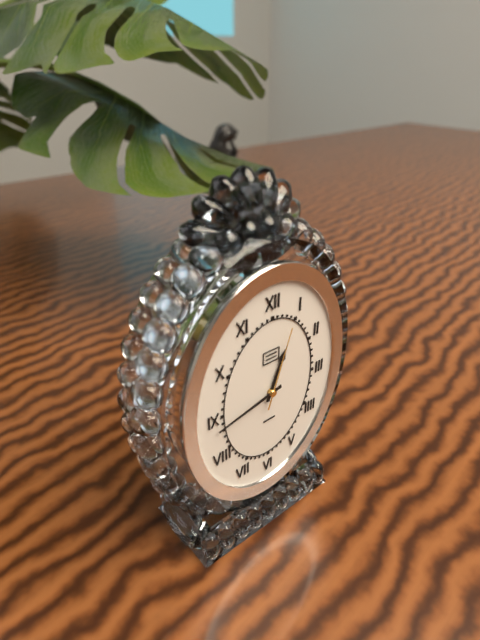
12h43m03s
